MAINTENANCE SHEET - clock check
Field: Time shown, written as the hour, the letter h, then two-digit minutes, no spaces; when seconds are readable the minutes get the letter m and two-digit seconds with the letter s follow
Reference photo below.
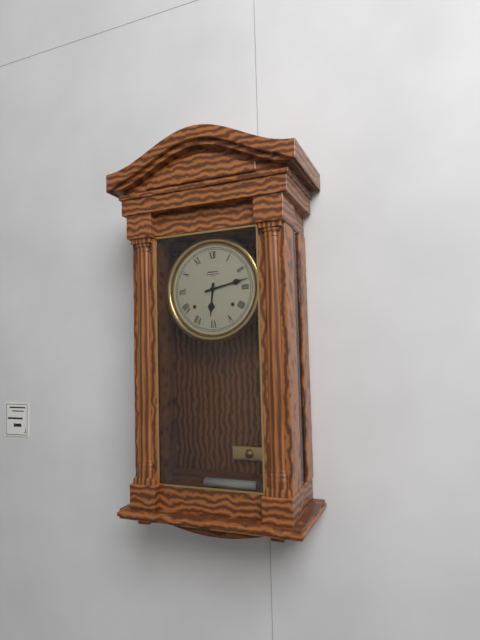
6h13
